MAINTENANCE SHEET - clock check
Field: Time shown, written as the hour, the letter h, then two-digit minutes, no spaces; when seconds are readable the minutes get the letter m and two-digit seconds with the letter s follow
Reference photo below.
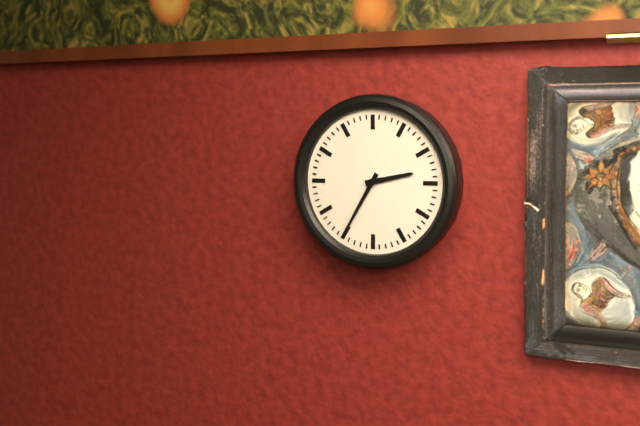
2h35
